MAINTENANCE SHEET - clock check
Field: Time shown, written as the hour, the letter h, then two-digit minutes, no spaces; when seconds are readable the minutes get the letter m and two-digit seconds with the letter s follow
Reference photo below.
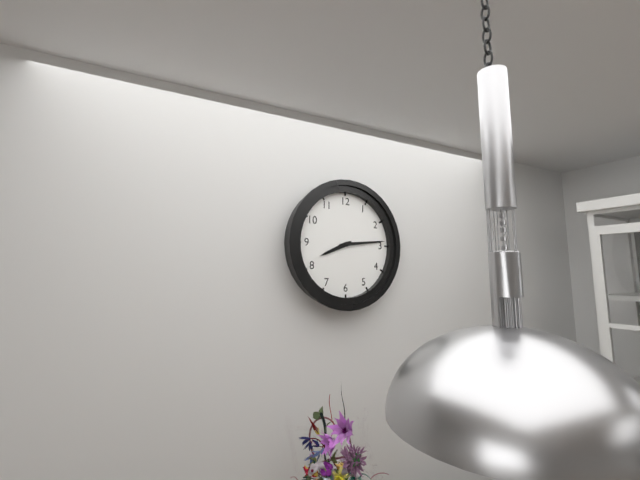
8h14
